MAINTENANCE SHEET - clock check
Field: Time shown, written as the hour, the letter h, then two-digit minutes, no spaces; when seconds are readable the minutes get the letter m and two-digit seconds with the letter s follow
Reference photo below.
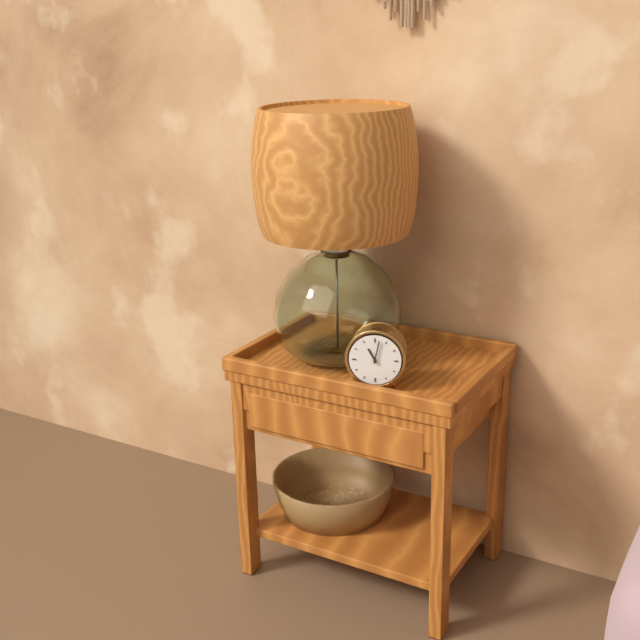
11h02
